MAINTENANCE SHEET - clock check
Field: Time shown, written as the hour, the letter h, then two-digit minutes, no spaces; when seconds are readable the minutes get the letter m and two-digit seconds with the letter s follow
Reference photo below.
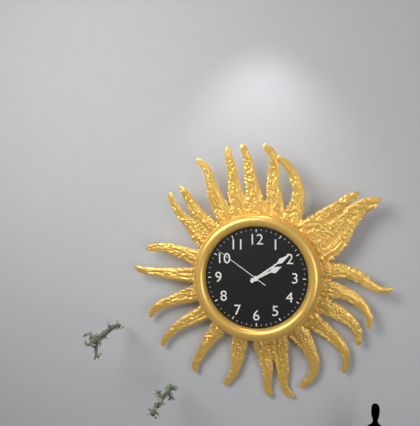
2h09m51s
